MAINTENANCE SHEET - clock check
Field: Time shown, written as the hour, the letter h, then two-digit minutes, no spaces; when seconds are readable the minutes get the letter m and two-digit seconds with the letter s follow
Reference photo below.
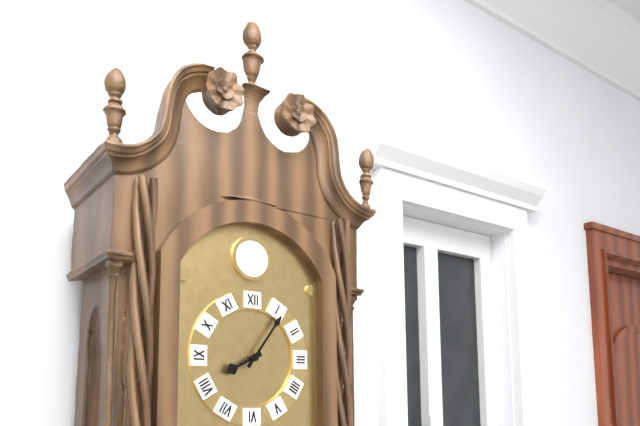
8h06
